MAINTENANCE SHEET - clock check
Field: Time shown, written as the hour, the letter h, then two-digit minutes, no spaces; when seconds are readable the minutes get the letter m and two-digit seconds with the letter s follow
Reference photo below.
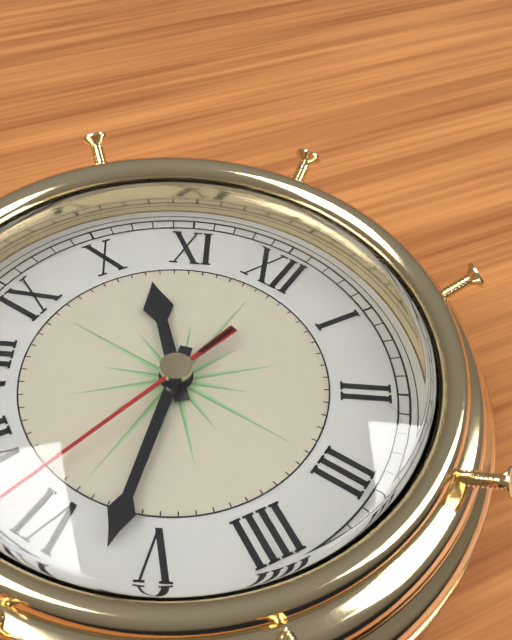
10h27
